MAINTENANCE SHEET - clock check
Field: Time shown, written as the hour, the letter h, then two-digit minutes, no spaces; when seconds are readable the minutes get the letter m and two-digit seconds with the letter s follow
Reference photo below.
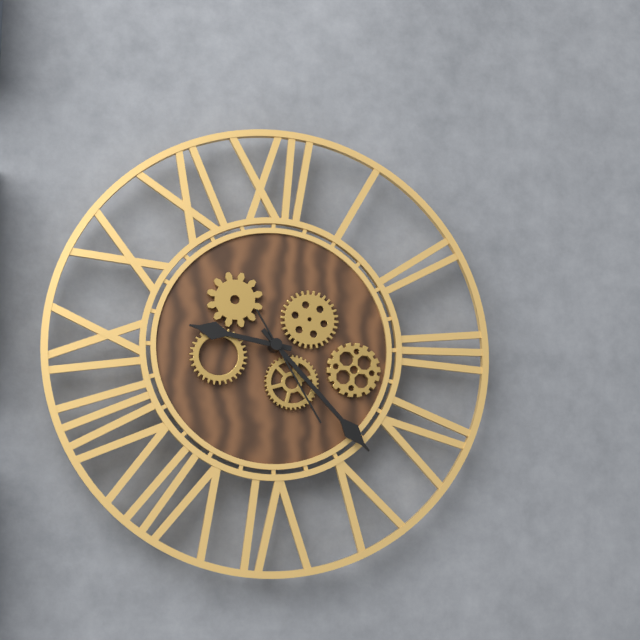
9h23m25s
